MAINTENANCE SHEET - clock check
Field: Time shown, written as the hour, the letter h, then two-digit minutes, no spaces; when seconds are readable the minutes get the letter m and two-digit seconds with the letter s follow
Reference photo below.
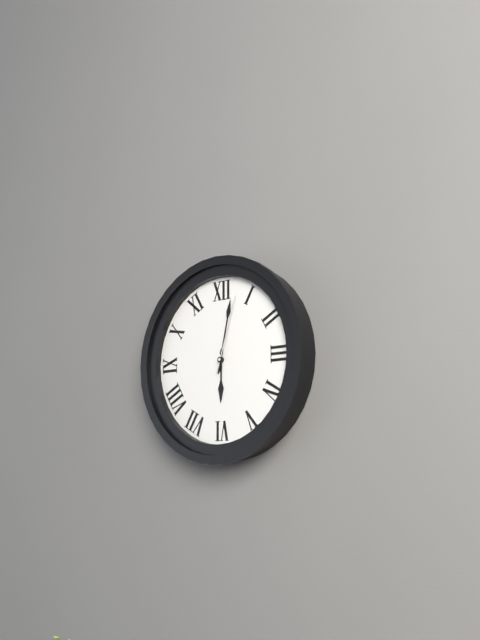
6h02m03s
